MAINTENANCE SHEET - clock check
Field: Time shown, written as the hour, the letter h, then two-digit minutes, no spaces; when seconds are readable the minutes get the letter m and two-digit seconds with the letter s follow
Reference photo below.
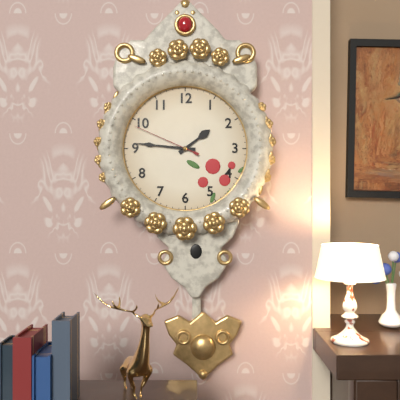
1h46m49s
